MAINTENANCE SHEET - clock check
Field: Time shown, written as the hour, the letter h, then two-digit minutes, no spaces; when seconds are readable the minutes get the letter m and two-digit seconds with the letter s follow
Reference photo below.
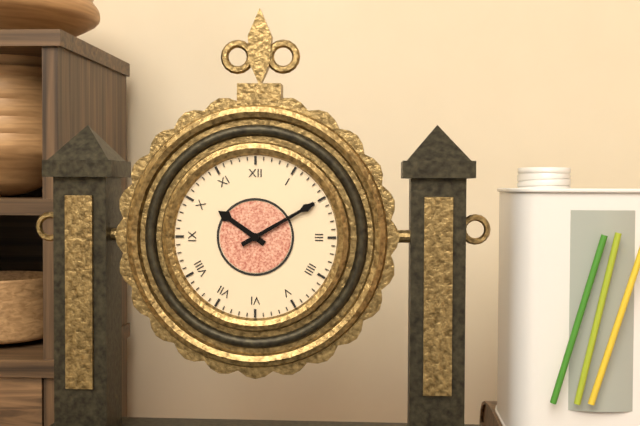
10h10
